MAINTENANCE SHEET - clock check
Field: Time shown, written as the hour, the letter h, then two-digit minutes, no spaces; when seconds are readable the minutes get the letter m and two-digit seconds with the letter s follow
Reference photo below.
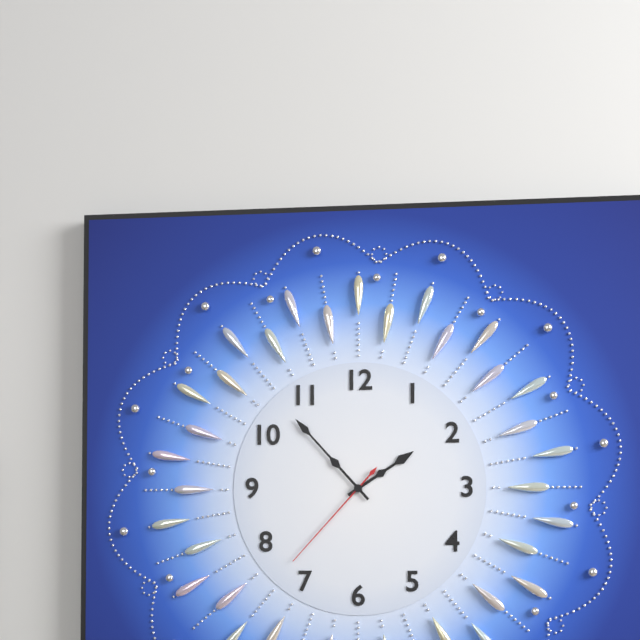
1h53m37s
